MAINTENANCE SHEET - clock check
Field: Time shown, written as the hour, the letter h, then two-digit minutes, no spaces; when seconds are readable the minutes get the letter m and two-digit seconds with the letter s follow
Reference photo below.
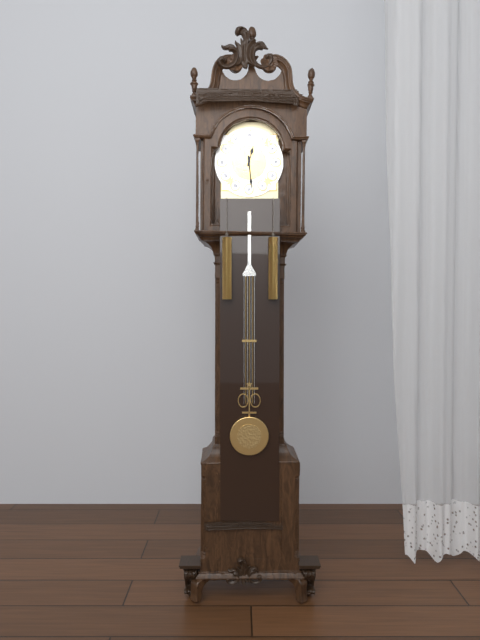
12h29
